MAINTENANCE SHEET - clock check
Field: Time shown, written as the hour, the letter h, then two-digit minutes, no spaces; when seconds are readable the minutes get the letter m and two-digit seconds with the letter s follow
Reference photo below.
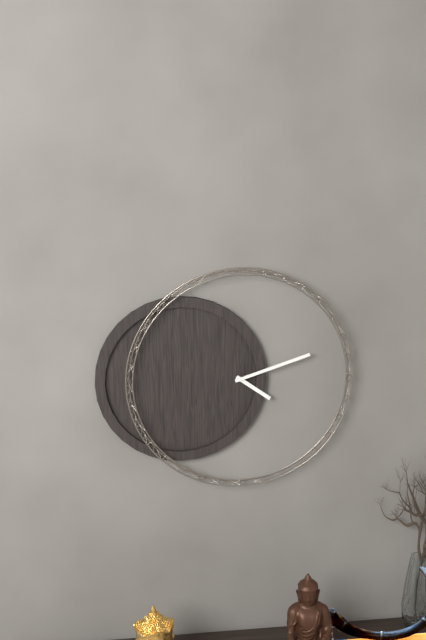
4h12
